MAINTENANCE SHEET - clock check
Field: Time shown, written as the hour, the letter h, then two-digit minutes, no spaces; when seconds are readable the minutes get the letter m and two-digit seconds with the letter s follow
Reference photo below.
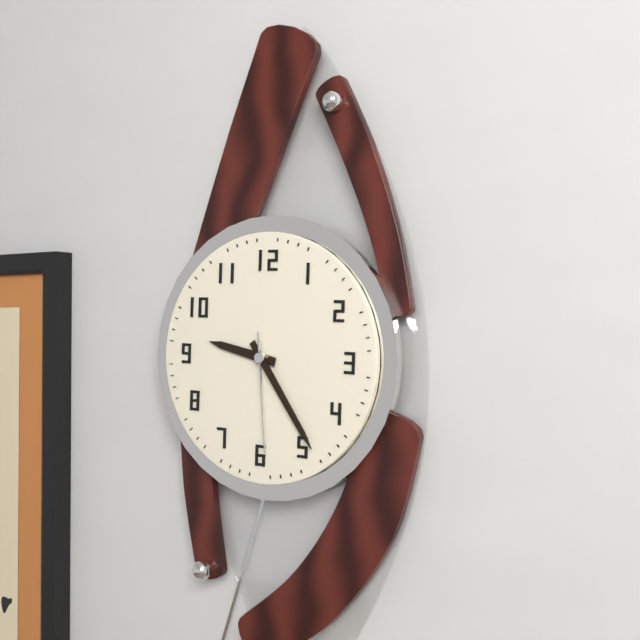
9h24m29s
